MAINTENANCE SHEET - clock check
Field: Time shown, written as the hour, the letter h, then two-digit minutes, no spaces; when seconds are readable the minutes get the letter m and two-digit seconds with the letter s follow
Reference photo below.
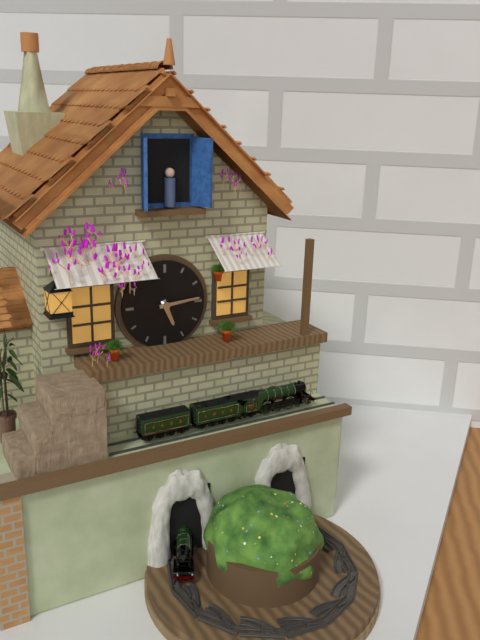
5h14
